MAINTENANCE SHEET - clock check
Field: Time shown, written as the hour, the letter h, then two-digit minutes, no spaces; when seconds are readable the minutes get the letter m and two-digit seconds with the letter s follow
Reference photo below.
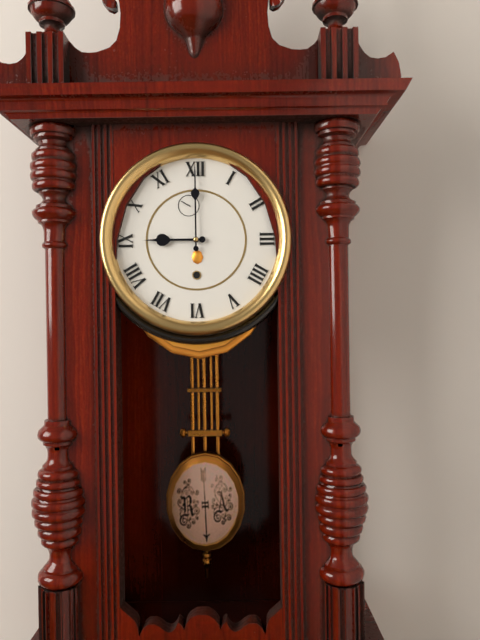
9h00
